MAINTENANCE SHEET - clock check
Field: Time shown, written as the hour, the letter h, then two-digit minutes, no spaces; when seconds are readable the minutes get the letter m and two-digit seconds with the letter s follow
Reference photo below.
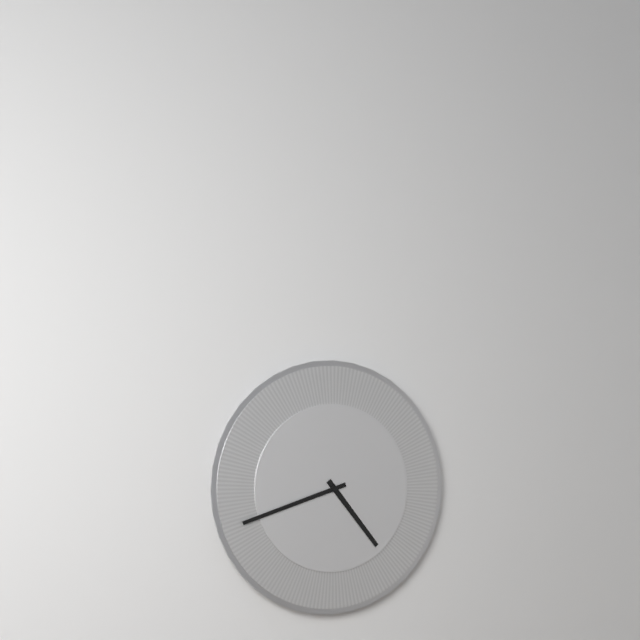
4h42
